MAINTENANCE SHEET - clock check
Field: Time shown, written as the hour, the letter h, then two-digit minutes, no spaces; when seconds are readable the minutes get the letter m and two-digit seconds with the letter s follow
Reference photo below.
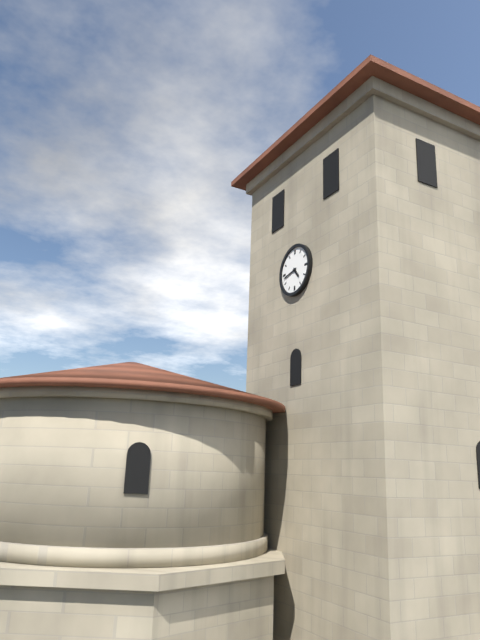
4h43
